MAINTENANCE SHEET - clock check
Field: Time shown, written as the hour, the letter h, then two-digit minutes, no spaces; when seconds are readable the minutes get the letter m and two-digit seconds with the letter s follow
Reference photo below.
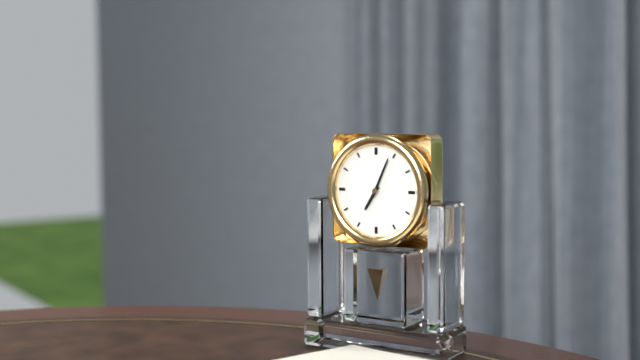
7h04
